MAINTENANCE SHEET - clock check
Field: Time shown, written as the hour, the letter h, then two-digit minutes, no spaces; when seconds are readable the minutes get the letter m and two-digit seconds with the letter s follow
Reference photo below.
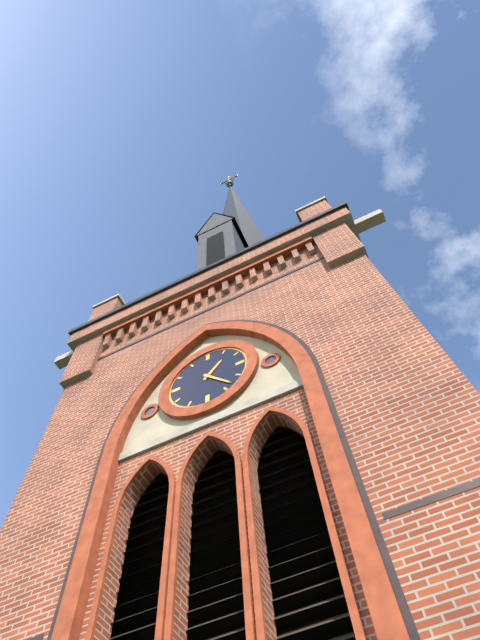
1h23
